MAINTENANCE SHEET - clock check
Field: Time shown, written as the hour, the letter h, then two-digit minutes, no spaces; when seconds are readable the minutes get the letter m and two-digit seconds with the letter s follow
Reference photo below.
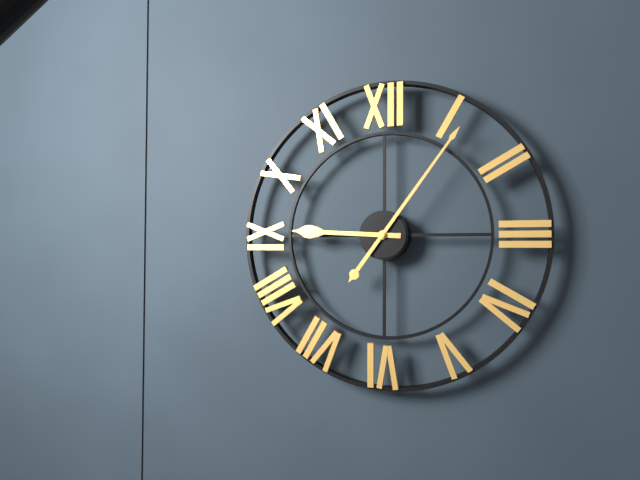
9h06
